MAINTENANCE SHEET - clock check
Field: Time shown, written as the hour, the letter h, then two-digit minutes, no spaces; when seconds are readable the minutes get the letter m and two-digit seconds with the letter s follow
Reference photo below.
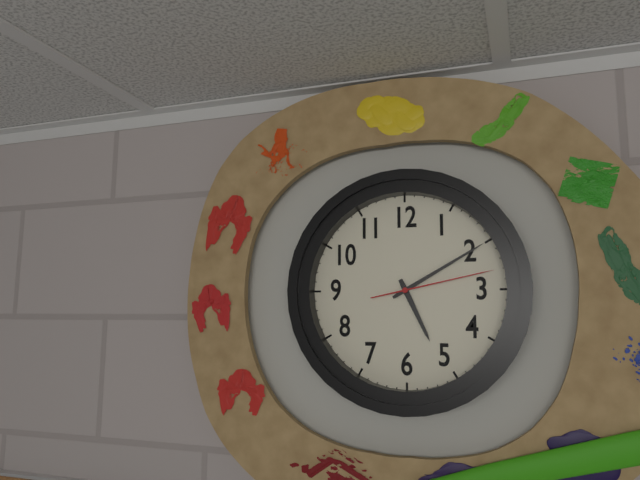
5h10m13s
